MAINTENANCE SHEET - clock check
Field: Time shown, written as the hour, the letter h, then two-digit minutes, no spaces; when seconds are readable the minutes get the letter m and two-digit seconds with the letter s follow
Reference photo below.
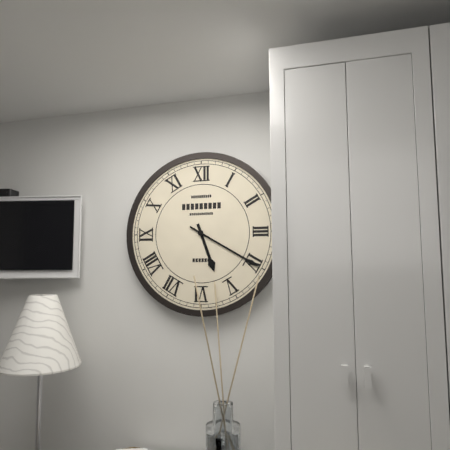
5h20
